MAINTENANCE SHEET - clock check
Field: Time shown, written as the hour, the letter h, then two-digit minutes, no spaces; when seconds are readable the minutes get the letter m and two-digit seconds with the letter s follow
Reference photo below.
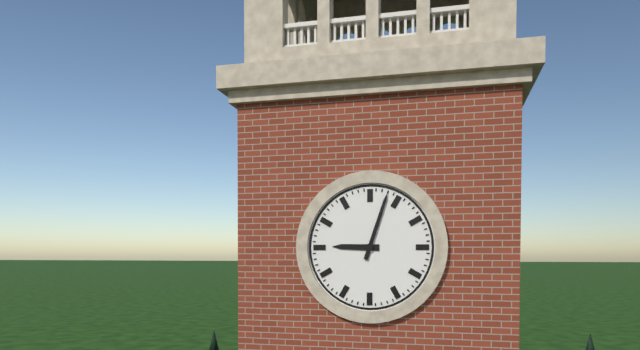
9h03
